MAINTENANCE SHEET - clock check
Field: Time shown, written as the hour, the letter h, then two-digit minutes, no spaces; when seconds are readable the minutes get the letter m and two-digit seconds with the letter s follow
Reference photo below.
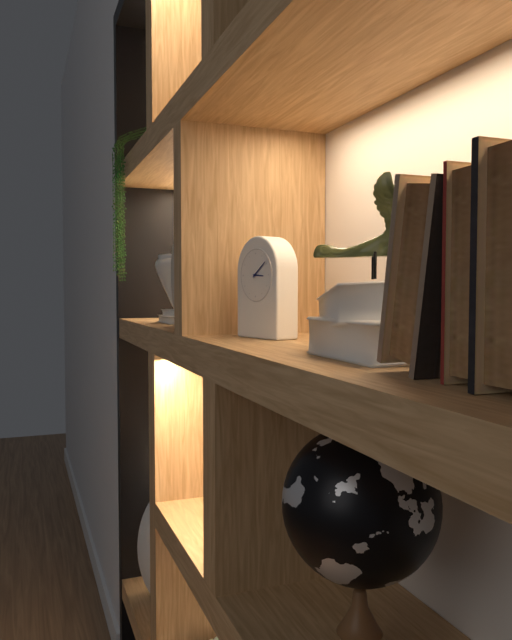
3h09
